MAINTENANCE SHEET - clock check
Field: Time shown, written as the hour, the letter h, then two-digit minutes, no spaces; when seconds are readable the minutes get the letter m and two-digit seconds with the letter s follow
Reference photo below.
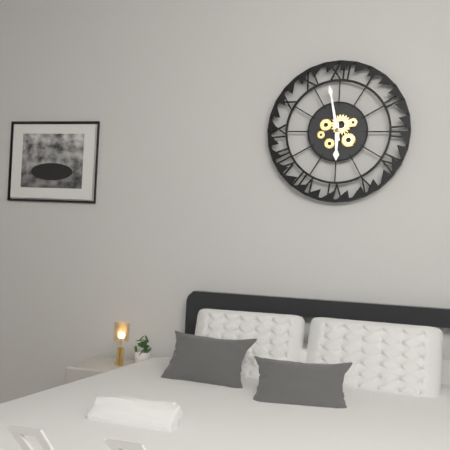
5h58
